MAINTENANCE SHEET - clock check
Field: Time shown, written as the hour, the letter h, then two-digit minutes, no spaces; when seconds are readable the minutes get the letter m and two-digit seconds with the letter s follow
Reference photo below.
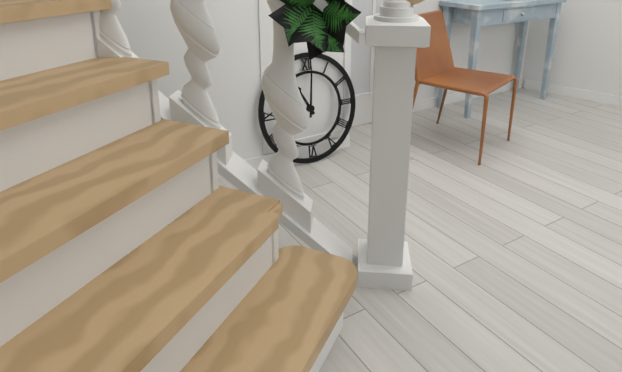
11h01
